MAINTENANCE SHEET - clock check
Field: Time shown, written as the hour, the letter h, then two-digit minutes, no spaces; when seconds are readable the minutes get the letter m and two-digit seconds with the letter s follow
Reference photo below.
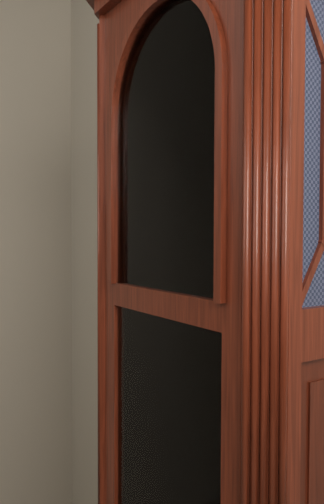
8h44
